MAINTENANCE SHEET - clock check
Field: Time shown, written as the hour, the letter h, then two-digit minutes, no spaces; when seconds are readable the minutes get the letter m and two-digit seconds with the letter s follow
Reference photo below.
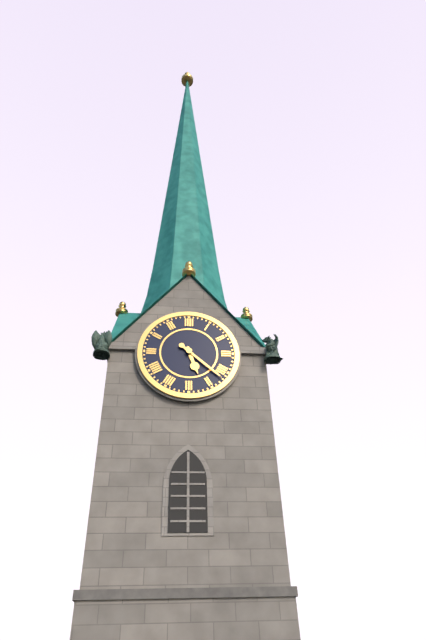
5h22
